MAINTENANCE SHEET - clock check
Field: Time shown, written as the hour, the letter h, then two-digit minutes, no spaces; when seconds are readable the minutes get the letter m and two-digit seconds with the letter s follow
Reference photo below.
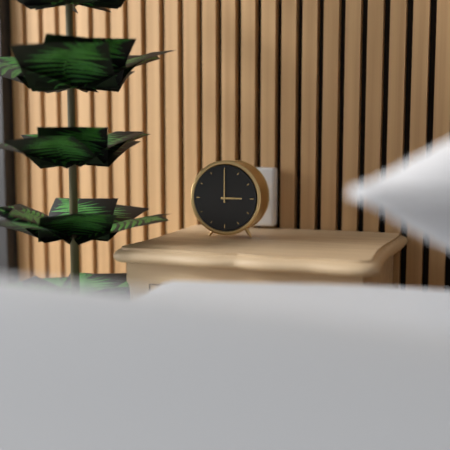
3h00
